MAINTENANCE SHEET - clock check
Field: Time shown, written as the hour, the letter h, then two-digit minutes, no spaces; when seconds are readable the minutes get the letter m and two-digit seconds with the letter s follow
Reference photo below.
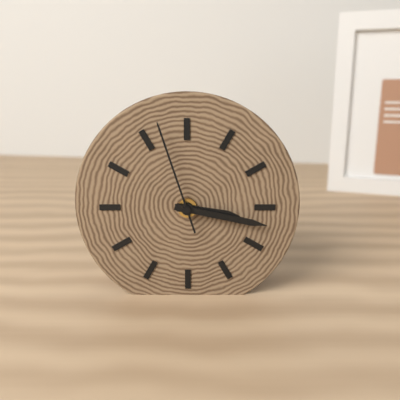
3h17m57s
